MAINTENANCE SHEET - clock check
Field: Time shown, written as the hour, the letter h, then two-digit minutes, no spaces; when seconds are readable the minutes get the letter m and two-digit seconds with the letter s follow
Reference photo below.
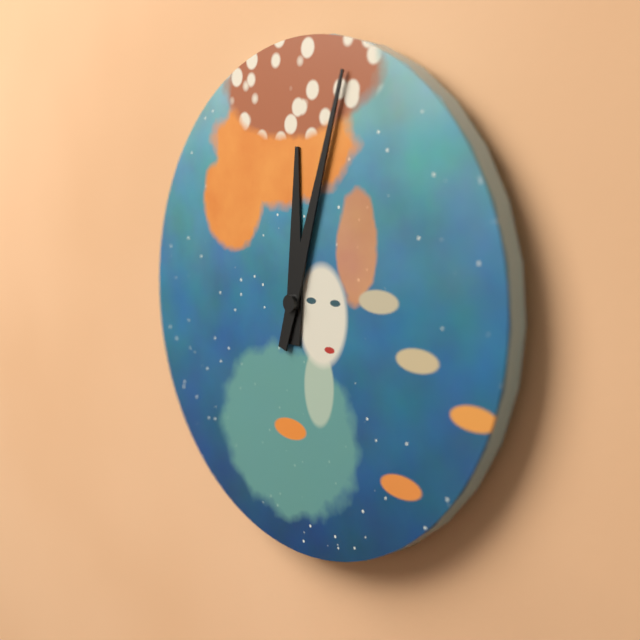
12h03
